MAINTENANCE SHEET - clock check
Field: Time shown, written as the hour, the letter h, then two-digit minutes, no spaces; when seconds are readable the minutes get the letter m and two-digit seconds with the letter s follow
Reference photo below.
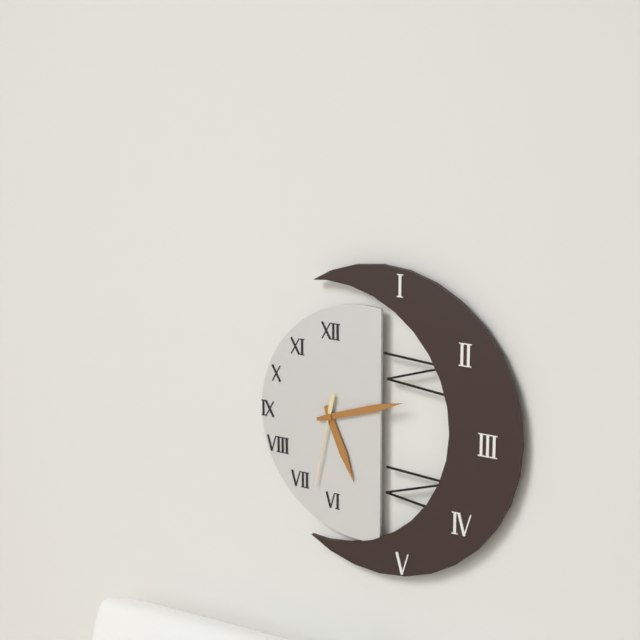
5h12m32s
